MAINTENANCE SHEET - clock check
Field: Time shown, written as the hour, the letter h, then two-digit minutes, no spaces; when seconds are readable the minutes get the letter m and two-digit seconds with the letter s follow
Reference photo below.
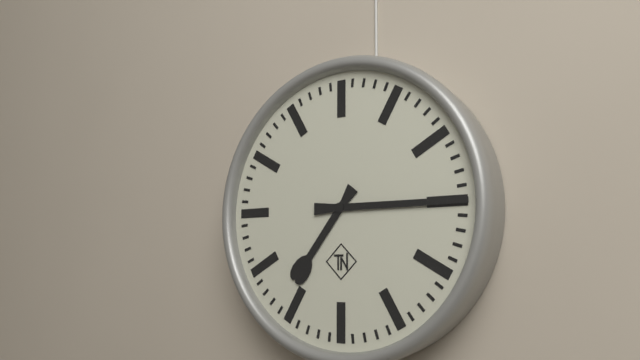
7h15
